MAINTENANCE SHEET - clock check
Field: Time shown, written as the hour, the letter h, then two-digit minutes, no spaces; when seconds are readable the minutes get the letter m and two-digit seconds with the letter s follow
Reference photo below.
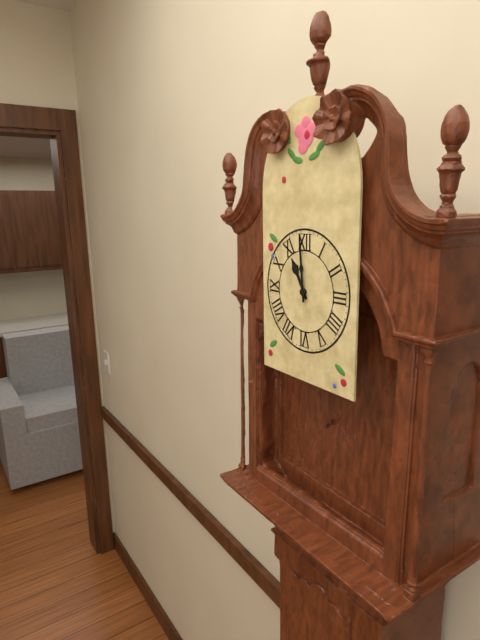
10h59
